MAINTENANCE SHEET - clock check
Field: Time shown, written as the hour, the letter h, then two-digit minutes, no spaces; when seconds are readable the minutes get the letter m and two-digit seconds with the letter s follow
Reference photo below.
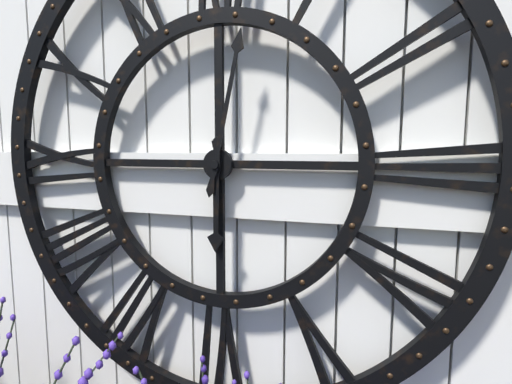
6h02
